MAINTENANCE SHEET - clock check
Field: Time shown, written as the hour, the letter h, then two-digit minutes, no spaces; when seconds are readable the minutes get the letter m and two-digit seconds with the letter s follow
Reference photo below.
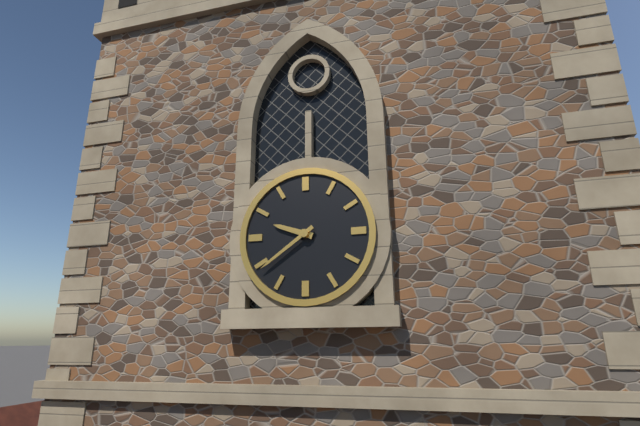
9h39
